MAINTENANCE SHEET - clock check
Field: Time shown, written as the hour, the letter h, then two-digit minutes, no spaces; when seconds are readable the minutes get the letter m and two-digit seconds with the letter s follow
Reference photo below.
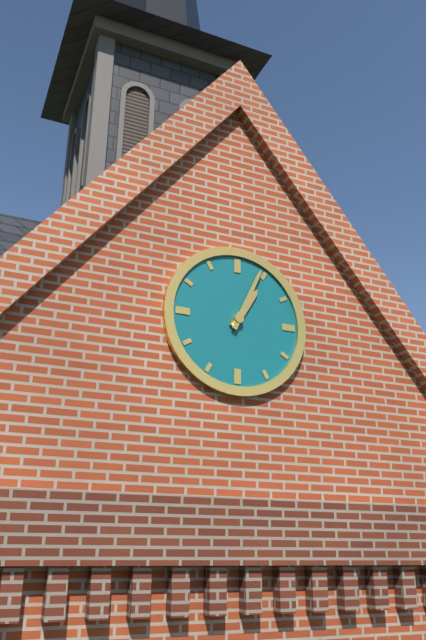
1h04
